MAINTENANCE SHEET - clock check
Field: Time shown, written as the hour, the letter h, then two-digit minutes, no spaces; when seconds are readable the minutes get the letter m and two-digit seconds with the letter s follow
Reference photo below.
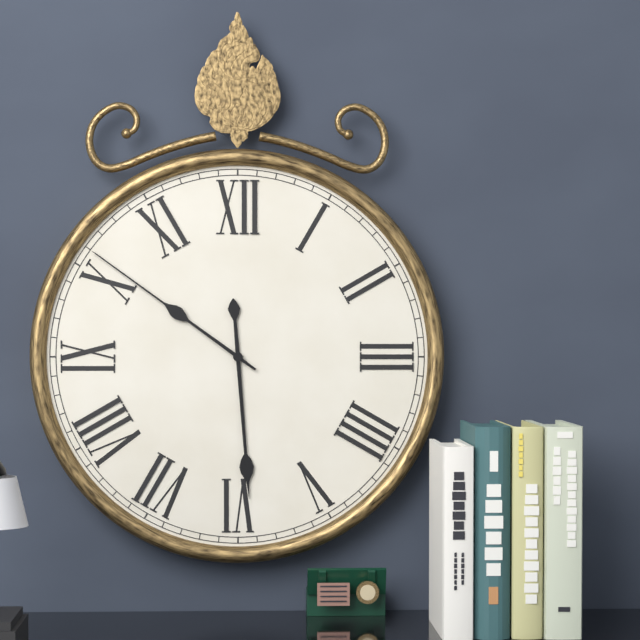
5h51
